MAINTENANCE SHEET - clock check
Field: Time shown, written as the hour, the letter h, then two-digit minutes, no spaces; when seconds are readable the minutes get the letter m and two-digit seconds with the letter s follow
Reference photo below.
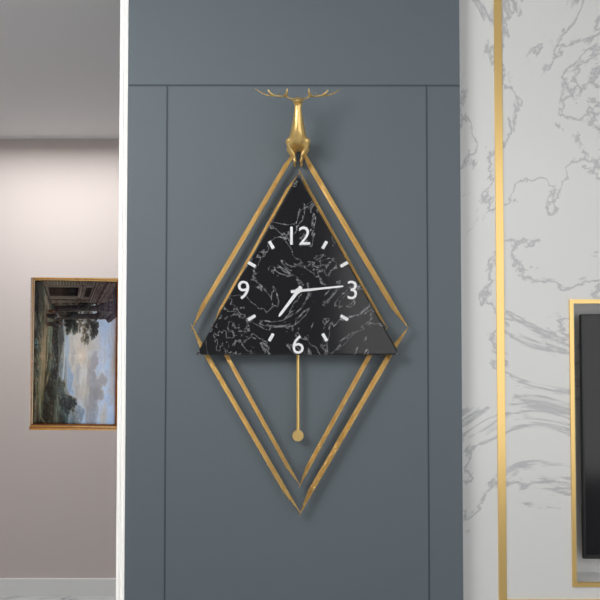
7h14
